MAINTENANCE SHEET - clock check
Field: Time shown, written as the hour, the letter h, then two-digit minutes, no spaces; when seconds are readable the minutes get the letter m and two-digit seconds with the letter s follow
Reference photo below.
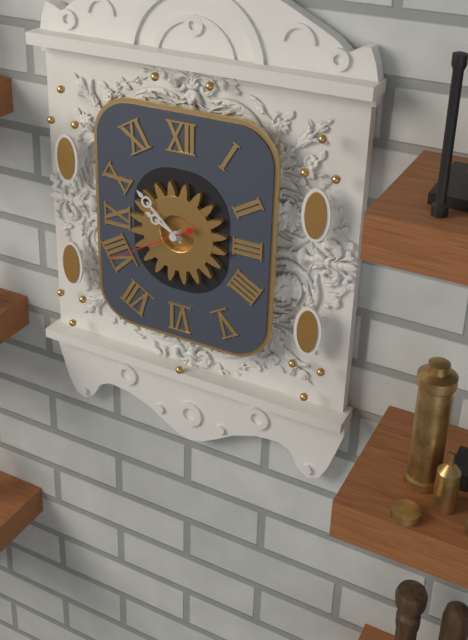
9h52m40s
